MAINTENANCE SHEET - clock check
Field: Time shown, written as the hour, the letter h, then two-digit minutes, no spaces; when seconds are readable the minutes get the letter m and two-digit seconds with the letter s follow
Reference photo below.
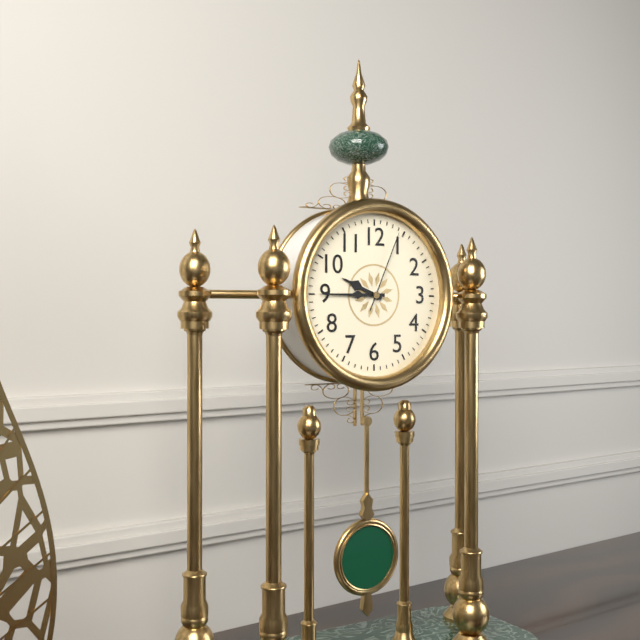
9h45m04s
